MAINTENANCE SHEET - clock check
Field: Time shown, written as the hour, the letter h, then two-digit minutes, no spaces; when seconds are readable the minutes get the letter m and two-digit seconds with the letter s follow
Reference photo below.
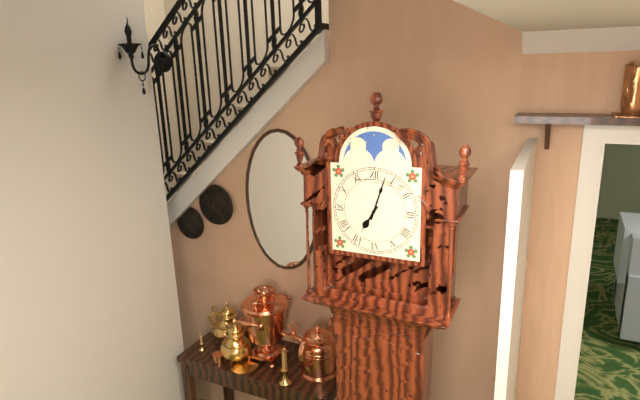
7h03
